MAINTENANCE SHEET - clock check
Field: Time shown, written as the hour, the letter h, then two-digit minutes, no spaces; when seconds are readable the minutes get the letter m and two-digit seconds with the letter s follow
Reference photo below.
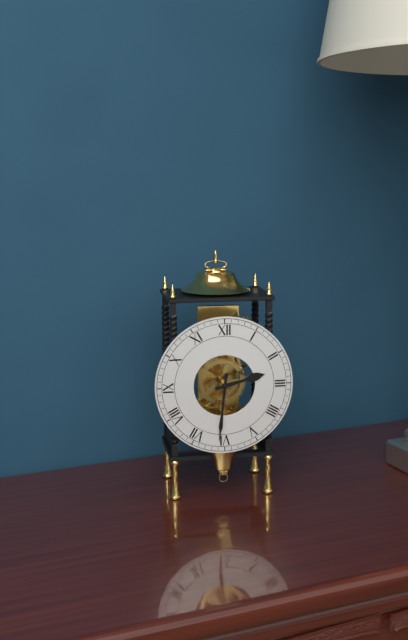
2h31
